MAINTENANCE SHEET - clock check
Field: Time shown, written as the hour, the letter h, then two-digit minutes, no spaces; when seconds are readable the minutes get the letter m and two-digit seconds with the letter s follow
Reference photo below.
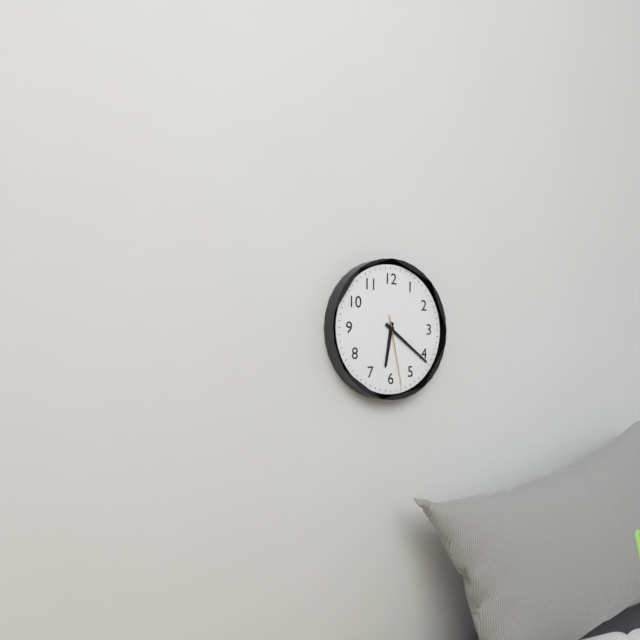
6h21m28s
